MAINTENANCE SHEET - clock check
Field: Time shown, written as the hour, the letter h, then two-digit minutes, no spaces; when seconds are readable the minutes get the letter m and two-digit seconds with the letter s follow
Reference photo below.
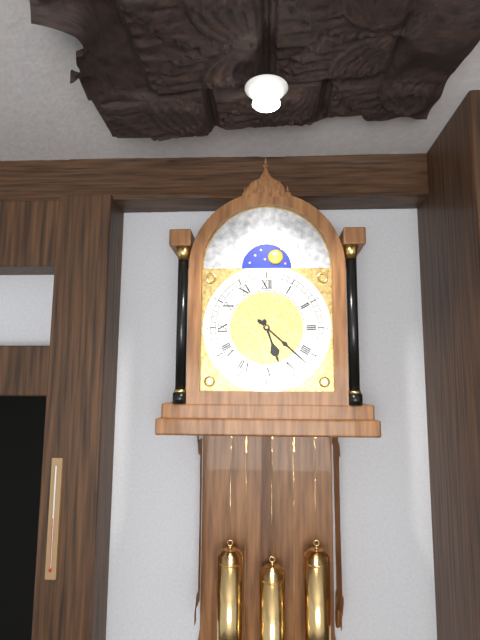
5h22
